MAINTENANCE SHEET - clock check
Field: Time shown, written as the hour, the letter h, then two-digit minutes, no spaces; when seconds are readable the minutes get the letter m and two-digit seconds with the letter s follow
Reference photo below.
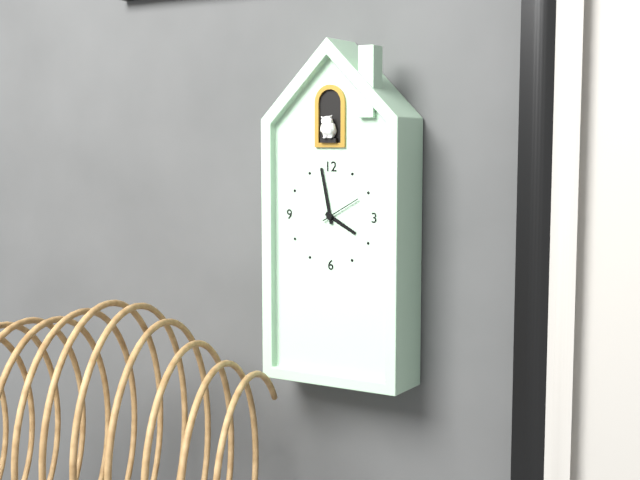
3h58
